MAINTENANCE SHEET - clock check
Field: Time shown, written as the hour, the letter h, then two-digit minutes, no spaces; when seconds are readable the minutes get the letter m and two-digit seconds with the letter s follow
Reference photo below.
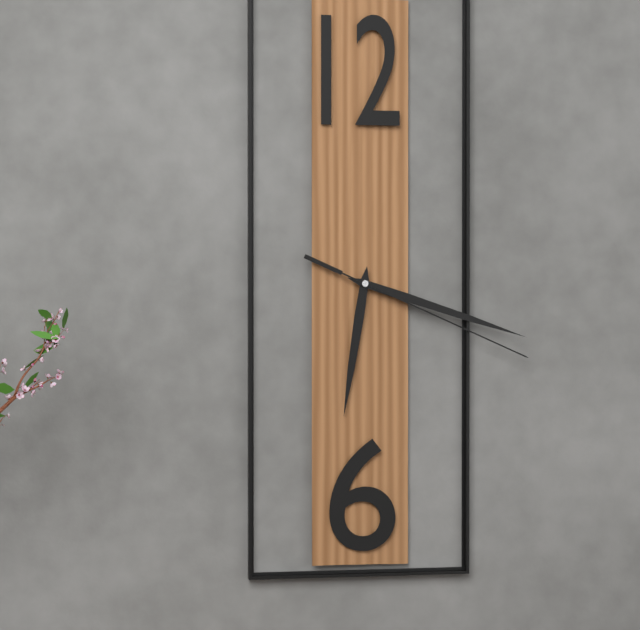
6h18m19s
